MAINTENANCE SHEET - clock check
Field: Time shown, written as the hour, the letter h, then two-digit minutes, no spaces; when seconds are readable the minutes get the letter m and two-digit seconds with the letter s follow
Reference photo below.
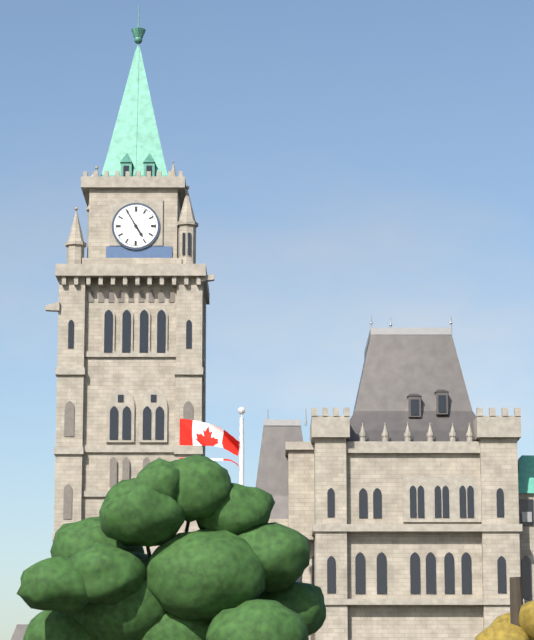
4h55
